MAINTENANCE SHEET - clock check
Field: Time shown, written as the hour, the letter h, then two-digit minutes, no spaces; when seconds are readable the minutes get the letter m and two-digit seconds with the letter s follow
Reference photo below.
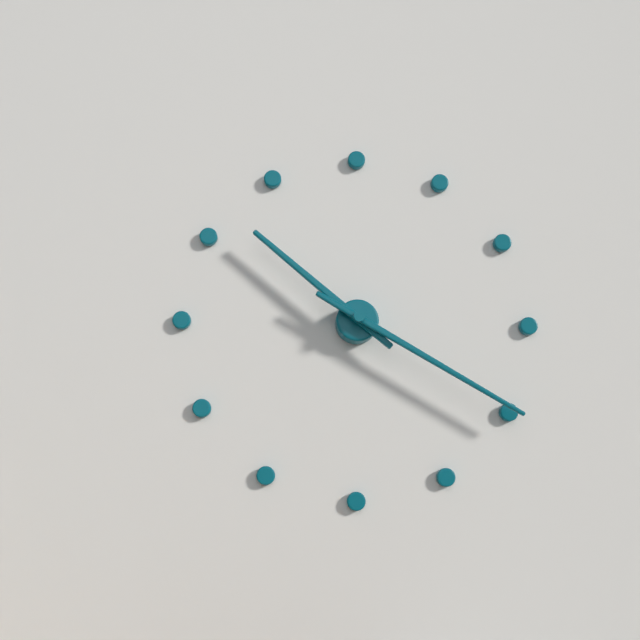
10h20
